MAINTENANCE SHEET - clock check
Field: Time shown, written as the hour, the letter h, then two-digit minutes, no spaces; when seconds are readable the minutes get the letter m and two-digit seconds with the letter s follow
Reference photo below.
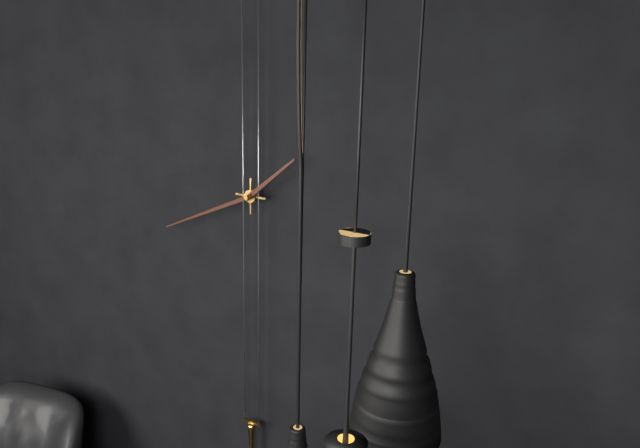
1h41
